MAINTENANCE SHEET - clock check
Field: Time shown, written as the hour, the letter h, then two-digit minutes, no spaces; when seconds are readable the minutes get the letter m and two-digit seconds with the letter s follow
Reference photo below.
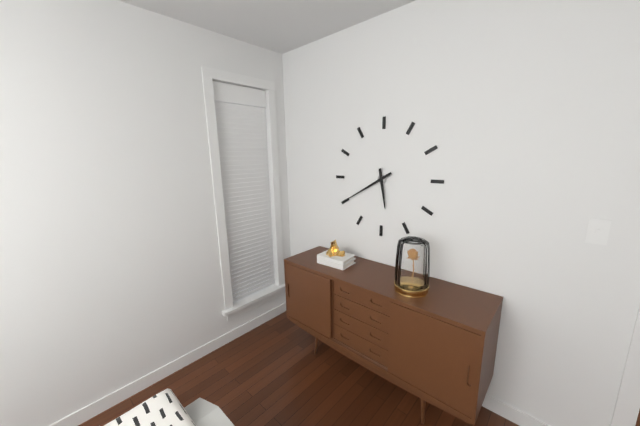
5h40
